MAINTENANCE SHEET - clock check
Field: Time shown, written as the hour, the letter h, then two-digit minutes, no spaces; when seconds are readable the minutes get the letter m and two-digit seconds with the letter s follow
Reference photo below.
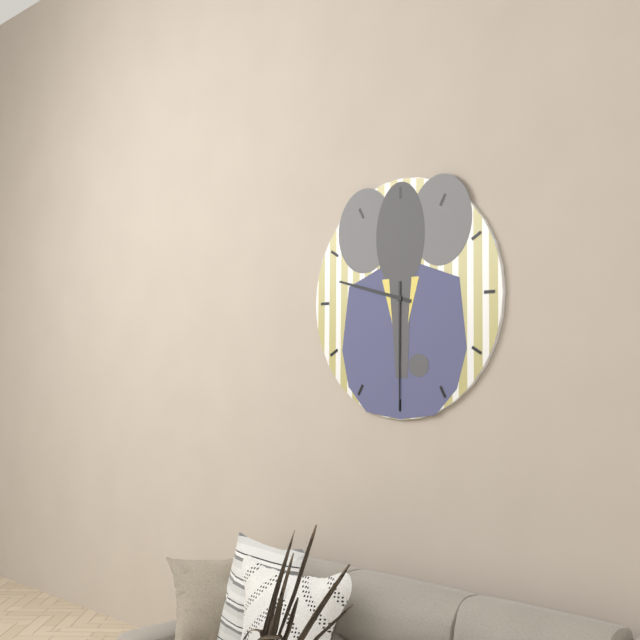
9h30
